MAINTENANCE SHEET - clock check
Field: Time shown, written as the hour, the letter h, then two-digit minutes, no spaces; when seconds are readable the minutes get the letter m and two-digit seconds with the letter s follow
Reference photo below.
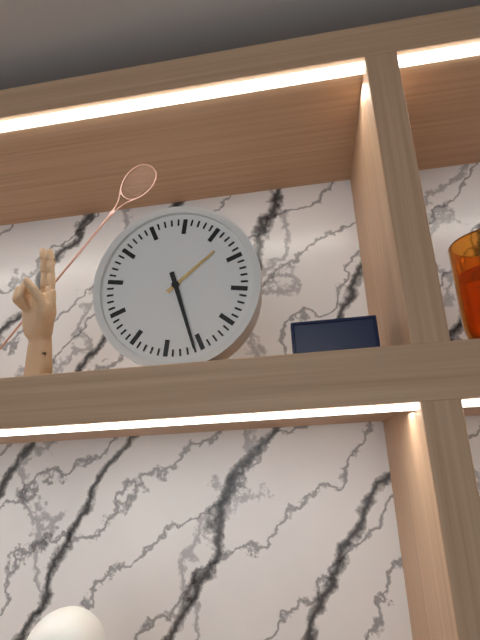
1h26
